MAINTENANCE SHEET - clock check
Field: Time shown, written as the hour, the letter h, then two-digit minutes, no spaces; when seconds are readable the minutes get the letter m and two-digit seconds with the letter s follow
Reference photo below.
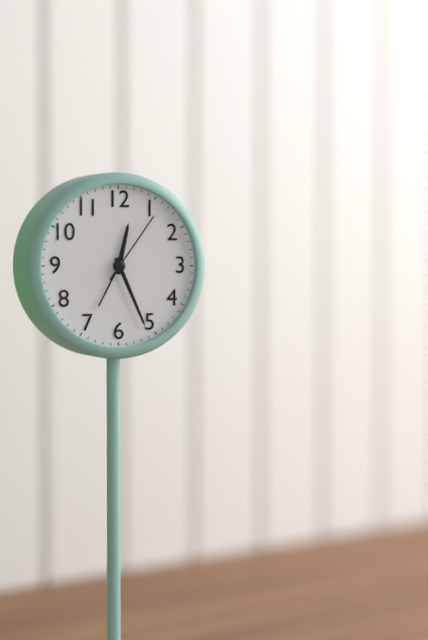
12h26m06s
